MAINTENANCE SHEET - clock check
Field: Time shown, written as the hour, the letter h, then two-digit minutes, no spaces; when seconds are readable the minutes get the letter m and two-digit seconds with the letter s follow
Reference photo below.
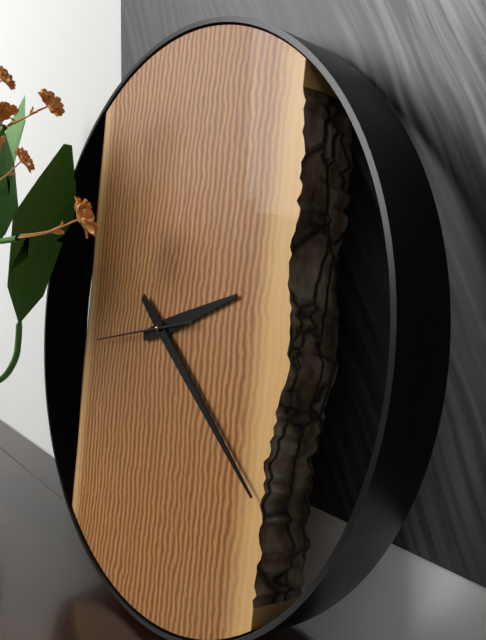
2h21m43s
